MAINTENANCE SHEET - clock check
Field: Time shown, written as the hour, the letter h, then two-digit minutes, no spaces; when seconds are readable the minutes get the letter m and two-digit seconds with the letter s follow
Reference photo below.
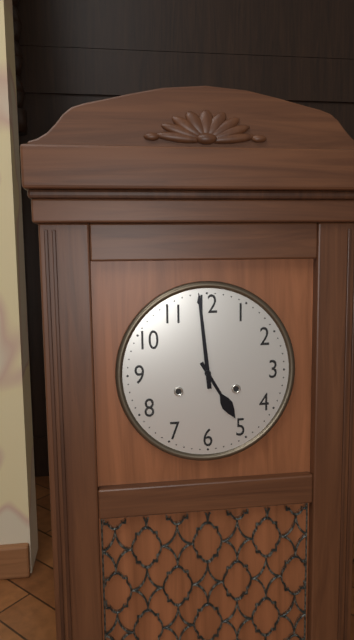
4h59
